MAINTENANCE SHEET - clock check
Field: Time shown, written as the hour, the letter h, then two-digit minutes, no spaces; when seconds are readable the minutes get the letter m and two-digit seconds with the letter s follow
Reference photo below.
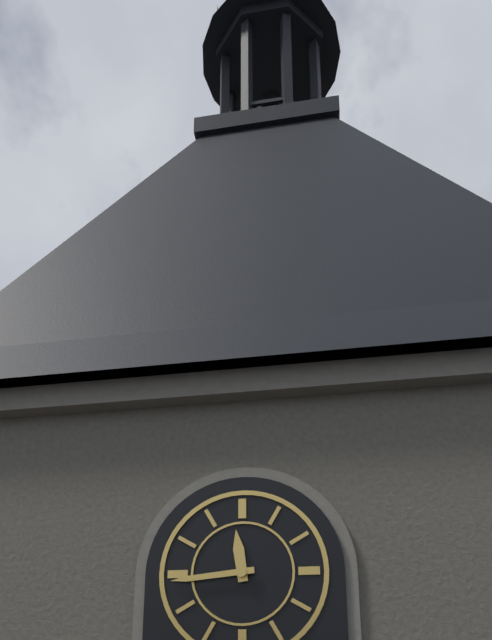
11h44
